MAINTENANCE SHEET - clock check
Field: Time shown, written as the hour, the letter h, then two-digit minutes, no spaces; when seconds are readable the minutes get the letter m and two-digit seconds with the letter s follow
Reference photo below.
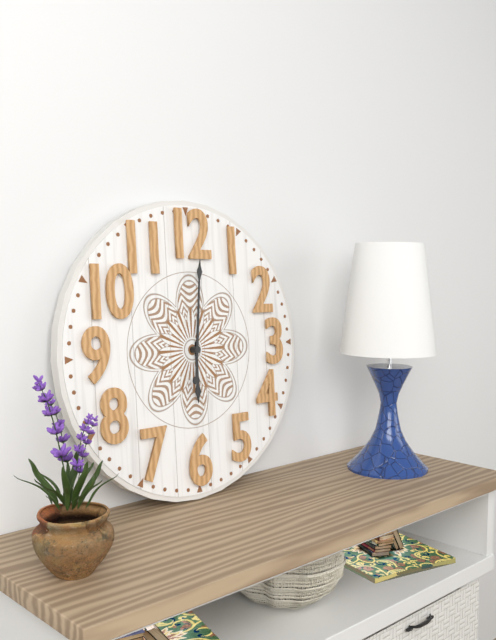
6h01
